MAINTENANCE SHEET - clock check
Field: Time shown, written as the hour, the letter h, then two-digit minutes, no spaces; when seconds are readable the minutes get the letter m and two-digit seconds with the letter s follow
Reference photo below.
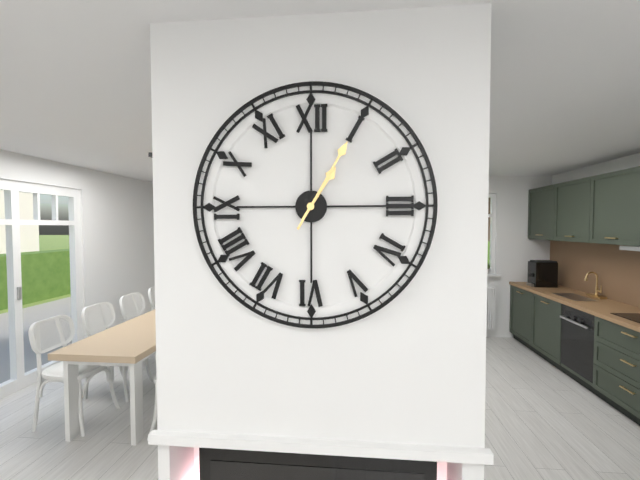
1h05
